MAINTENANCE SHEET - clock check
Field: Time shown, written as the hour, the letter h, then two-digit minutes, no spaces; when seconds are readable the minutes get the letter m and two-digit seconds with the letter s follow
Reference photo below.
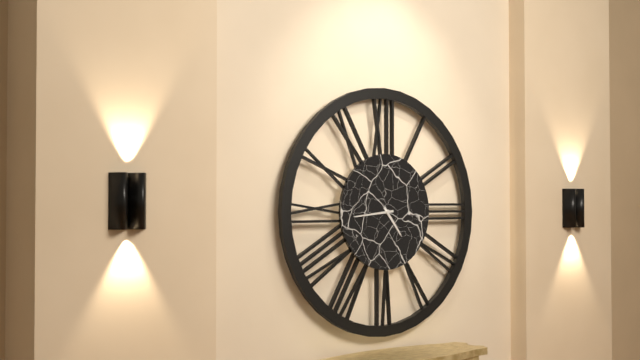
4h44
